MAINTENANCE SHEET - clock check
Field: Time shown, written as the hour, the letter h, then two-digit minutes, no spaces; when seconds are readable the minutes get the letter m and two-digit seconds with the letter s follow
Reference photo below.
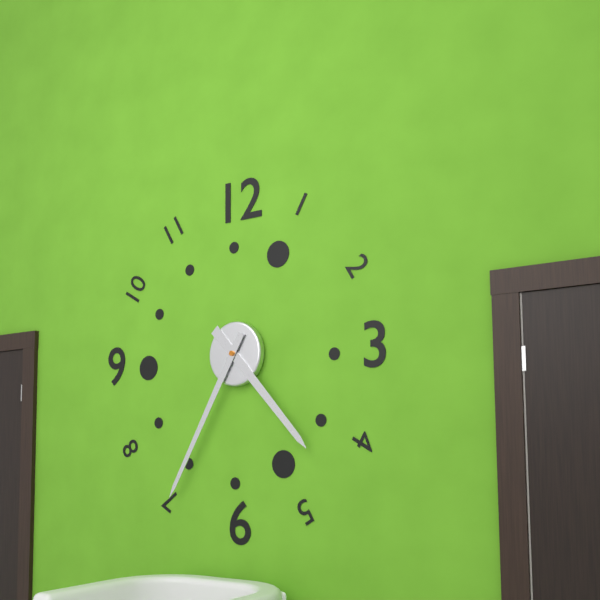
4h35
